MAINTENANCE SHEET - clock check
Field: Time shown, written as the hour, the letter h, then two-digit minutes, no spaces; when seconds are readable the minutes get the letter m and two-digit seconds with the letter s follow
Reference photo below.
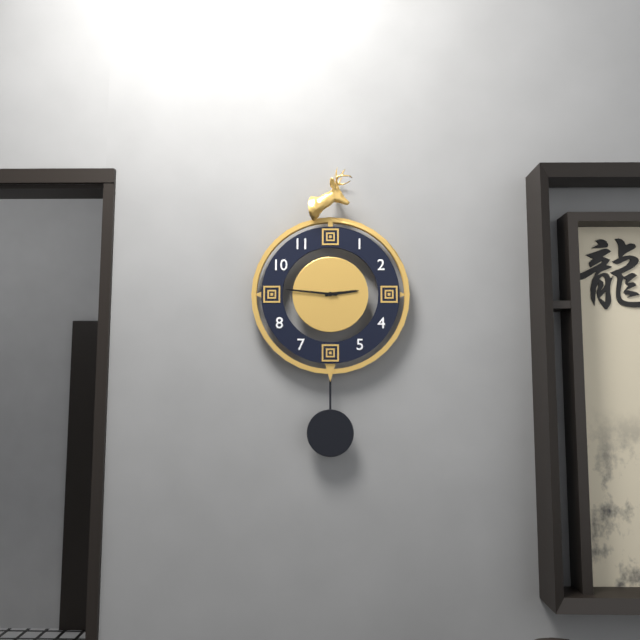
2h46
